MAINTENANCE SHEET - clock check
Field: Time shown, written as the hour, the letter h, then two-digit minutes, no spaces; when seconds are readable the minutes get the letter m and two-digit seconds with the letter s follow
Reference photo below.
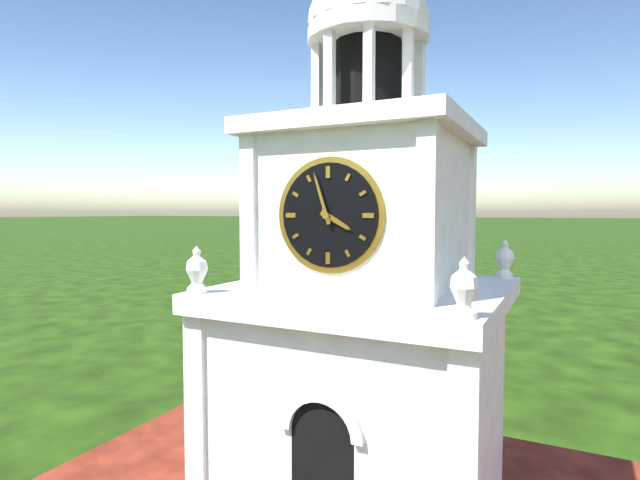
3h57
